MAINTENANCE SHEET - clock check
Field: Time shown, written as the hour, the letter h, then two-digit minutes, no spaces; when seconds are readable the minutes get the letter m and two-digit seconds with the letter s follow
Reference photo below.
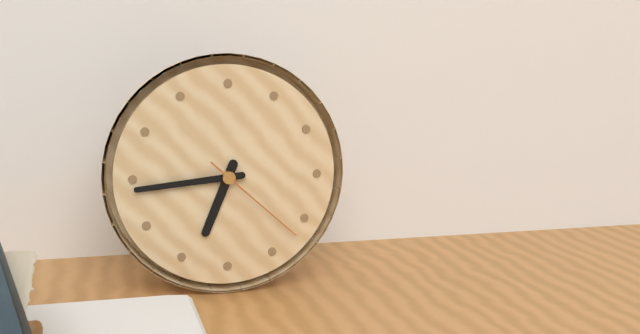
6h44m22s
